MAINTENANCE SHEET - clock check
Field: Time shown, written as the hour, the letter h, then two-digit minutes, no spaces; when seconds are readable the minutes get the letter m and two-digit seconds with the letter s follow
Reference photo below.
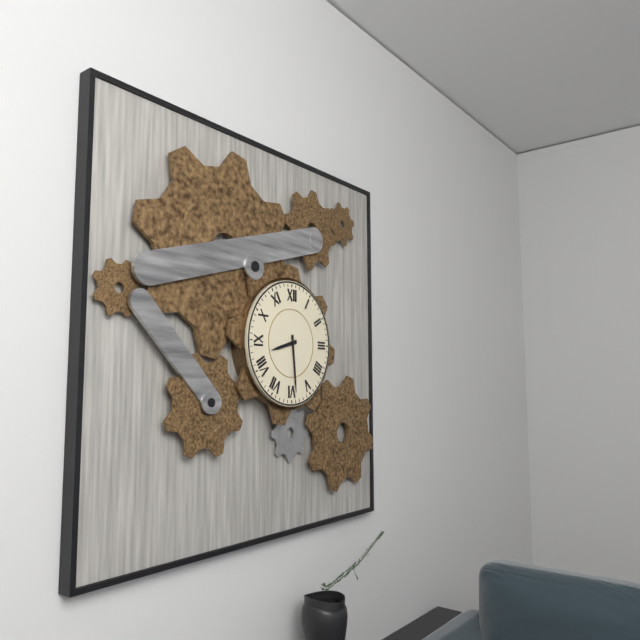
8h29
